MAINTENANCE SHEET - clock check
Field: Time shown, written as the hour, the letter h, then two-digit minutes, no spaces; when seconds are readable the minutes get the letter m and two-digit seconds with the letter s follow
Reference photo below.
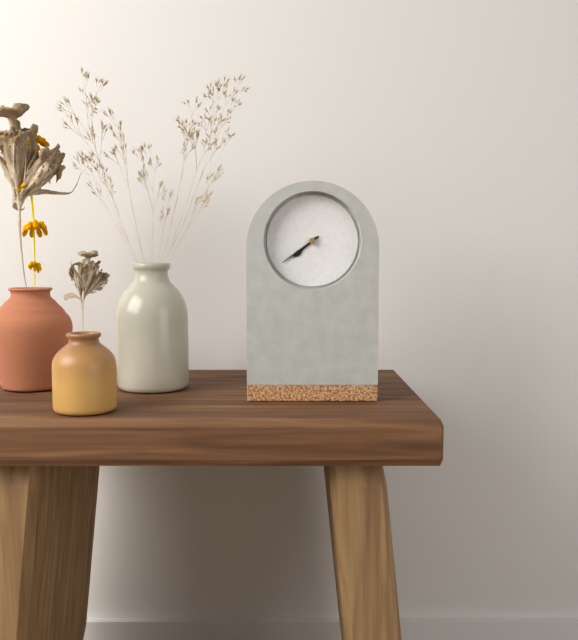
7h39
